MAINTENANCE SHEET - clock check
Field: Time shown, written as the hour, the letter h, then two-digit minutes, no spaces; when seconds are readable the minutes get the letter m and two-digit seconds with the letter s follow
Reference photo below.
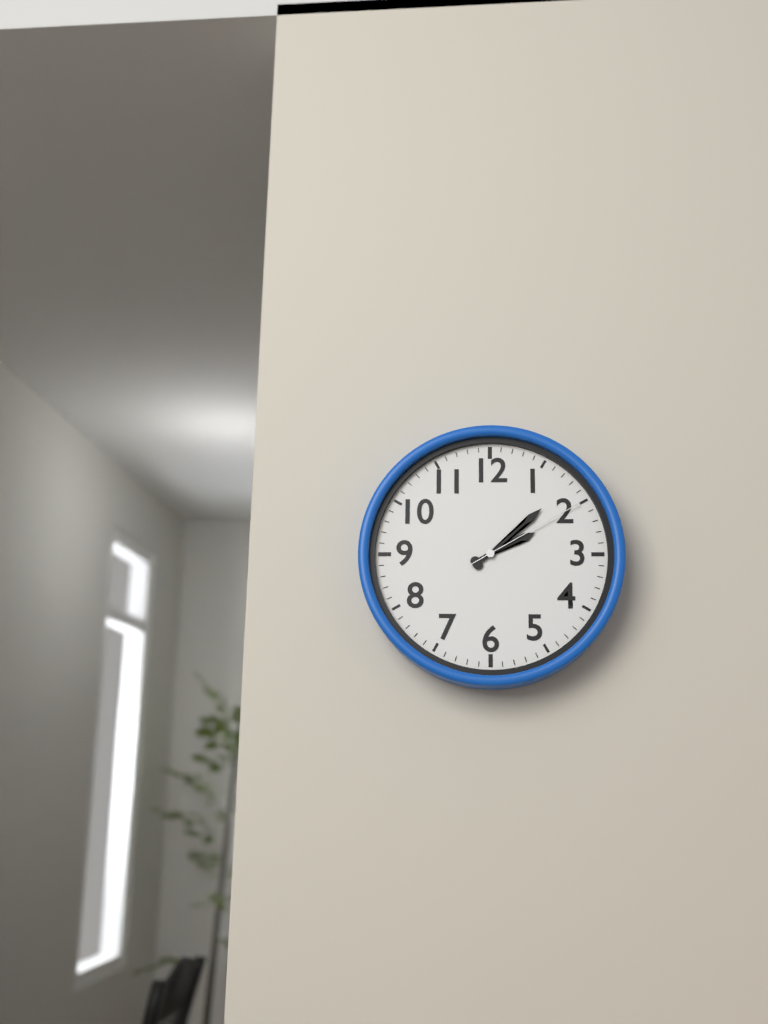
2h08m10s
